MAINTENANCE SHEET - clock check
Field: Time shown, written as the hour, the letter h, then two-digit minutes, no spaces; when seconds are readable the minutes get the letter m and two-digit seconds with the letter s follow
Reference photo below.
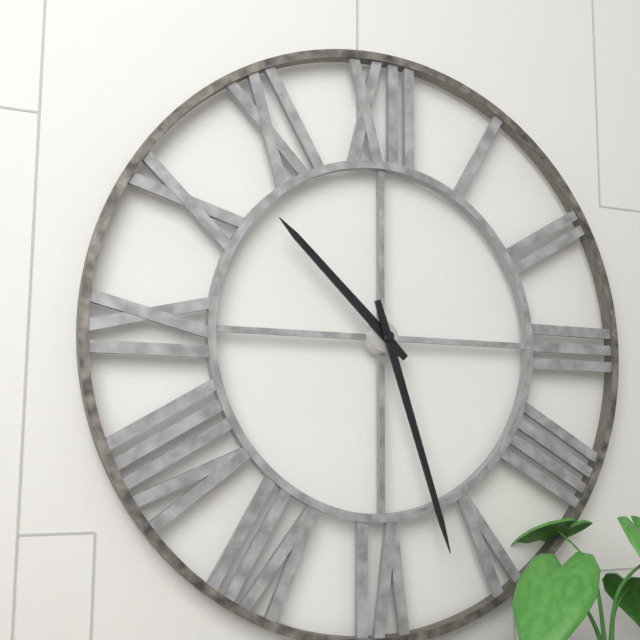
10h27
